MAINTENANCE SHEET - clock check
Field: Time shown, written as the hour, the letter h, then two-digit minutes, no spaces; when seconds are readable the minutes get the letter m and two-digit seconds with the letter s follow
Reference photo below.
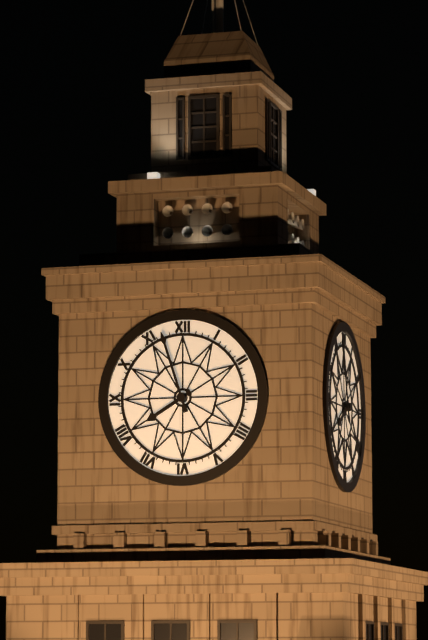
7h57
